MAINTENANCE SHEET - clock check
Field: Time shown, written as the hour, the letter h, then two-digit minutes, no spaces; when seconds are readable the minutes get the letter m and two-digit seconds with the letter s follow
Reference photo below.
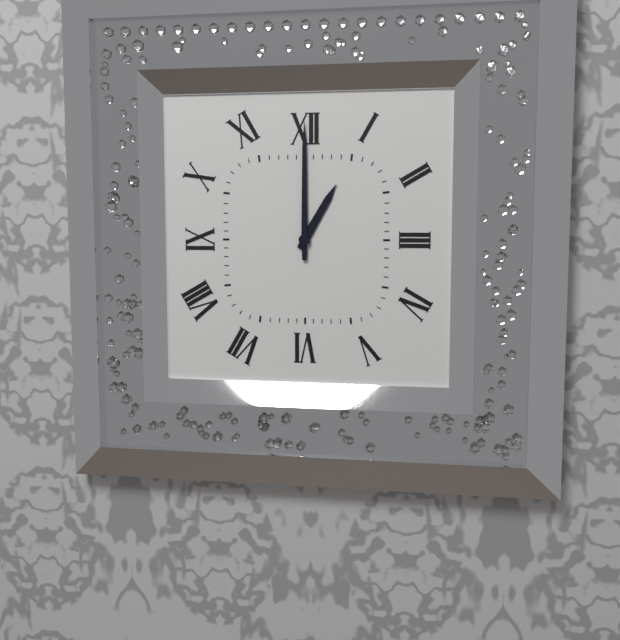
1h00
